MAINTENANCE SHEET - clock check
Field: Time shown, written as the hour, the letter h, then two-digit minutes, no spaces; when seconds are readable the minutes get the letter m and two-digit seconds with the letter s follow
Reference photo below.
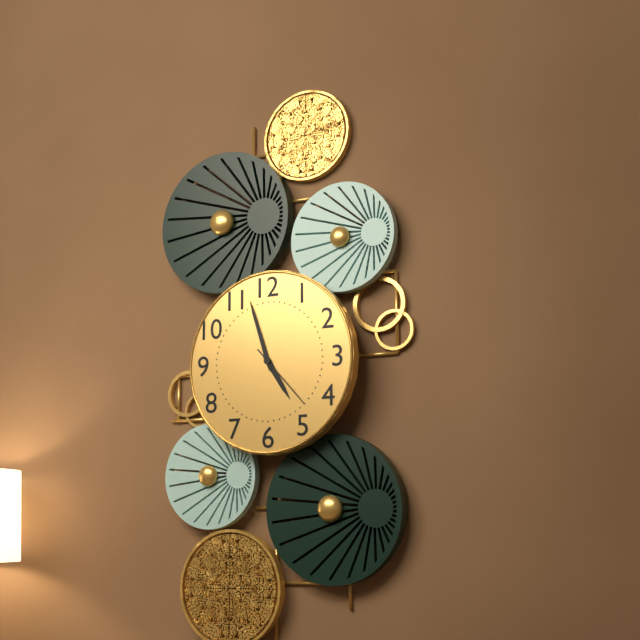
4h57m23s
